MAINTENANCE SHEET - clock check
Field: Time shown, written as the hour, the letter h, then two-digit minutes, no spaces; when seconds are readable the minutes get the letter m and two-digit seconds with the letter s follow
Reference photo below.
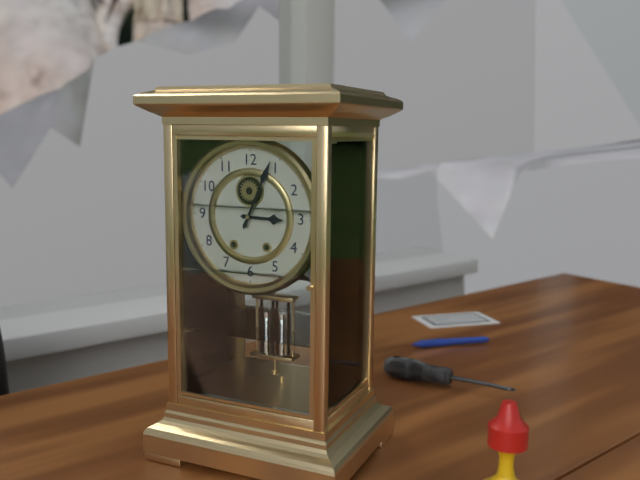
3h04
